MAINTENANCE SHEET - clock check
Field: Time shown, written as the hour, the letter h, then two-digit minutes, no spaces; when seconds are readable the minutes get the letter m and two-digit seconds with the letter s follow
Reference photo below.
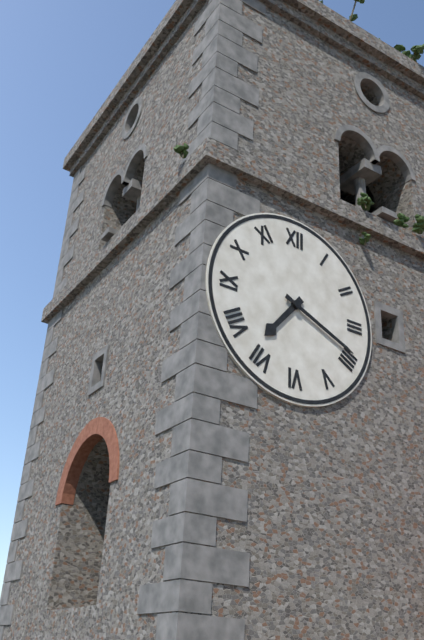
7h19
